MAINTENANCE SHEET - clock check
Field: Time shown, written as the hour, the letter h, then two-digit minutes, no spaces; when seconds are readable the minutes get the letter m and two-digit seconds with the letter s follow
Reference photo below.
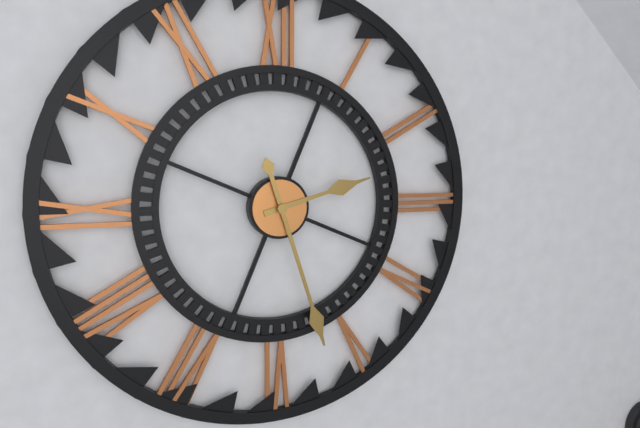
2h27
